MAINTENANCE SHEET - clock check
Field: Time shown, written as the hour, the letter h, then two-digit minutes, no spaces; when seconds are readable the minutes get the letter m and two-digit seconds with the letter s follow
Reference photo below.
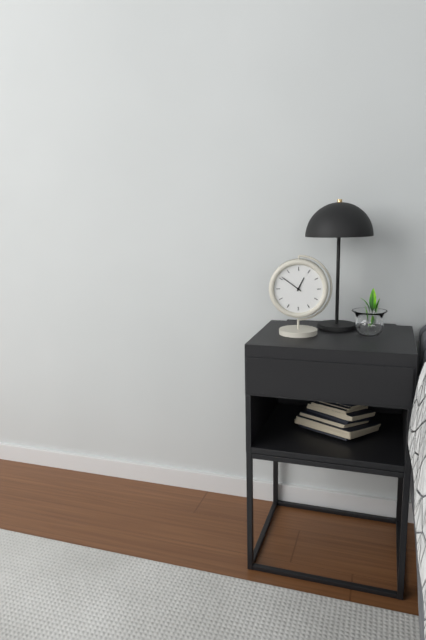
12h51
